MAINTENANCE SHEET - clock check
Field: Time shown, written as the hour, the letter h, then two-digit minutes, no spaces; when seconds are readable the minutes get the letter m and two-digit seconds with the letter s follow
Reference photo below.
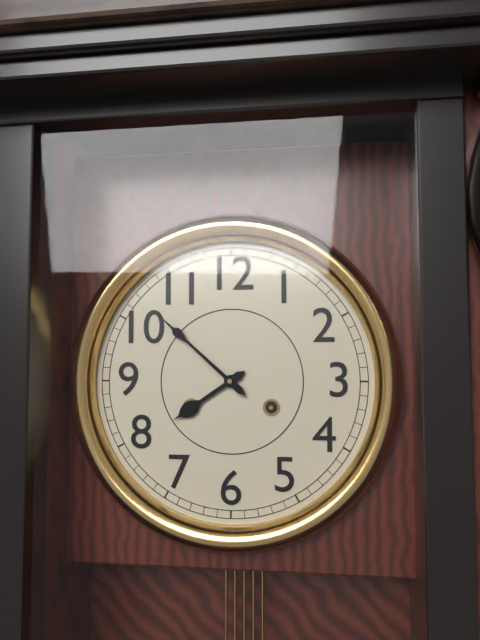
7h52
